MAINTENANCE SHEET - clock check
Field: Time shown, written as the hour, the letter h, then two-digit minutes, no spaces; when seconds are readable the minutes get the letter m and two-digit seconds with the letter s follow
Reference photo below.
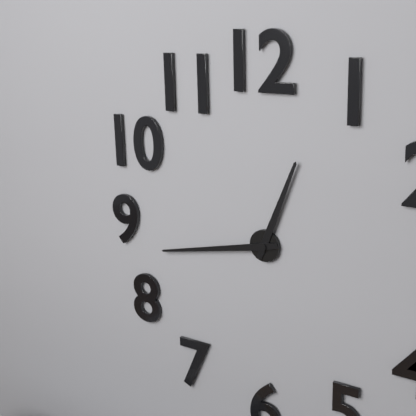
12h43
